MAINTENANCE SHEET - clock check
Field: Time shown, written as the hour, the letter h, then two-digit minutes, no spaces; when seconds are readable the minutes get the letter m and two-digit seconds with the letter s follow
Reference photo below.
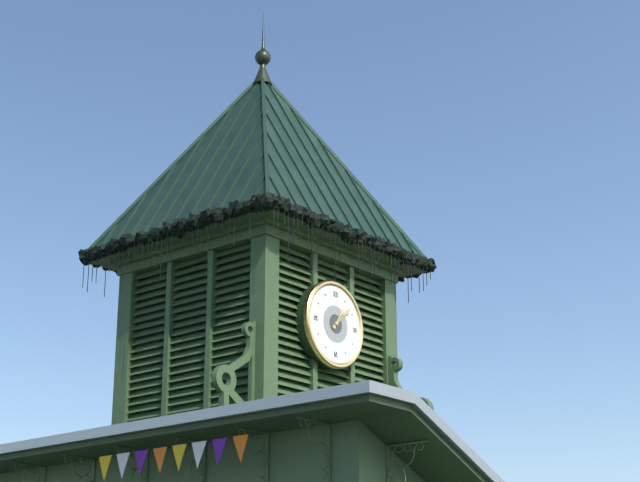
1h08
